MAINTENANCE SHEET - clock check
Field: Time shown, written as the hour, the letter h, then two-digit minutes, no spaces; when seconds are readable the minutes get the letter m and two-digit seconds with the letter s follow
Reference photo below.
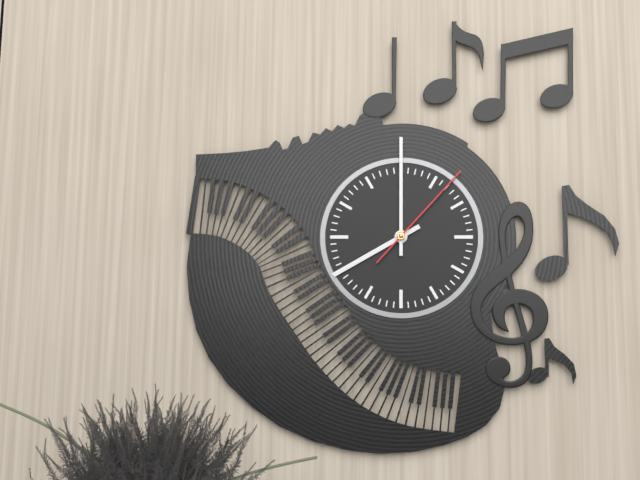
8h00m07s
